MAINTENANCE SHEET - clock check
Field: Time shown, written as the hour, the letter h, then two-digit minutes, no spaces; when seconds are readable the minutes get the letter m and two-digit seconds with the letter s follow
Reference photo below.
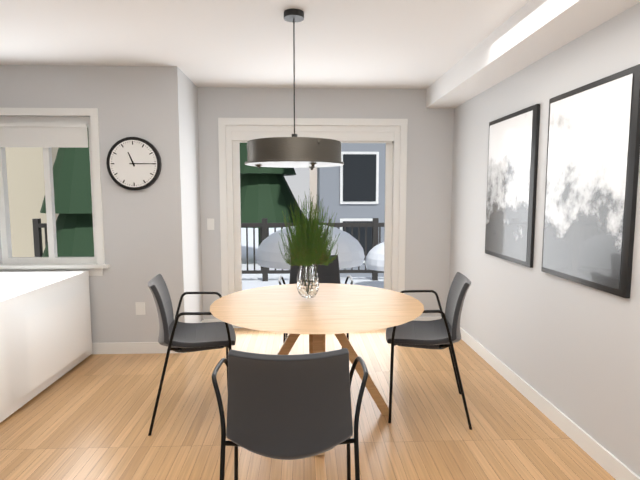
11h15
